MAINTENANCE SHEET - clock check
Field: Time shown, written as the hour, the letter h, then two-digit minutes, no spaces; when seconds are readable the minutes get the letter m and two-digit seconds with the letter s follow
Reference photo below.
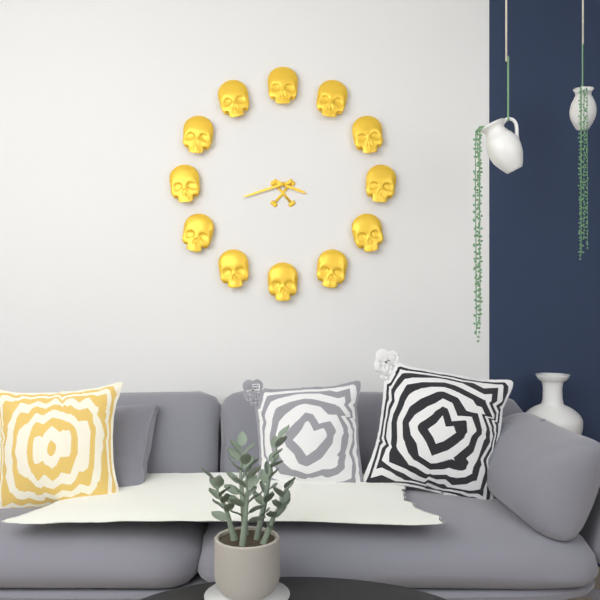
3h42
